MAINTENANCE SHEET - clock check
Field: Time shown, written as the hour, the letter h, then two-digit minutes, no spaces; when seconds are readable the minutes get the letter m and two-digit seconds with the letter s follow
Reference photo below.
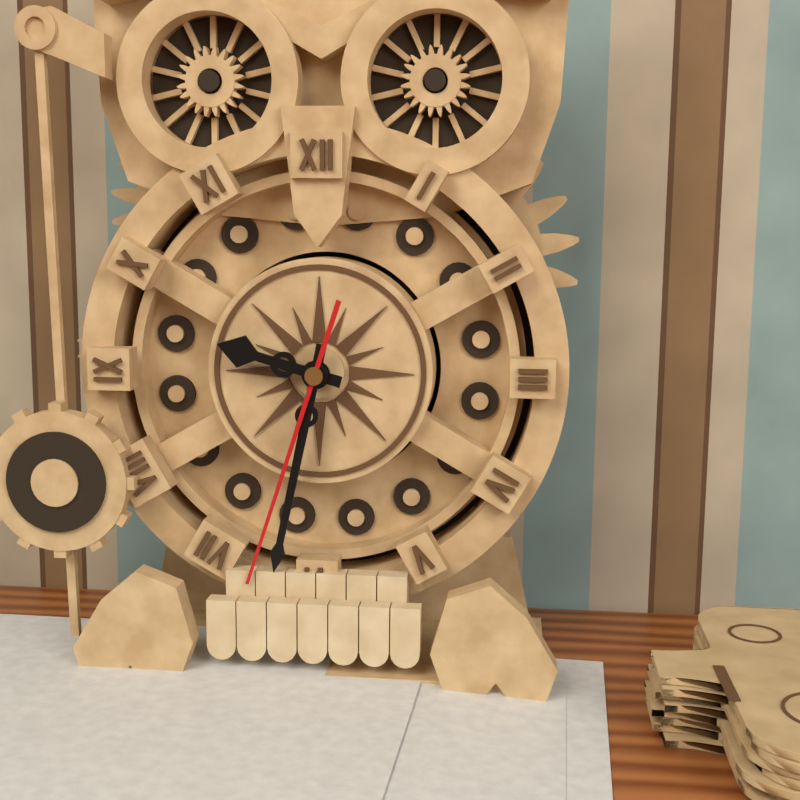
9h32m33s
